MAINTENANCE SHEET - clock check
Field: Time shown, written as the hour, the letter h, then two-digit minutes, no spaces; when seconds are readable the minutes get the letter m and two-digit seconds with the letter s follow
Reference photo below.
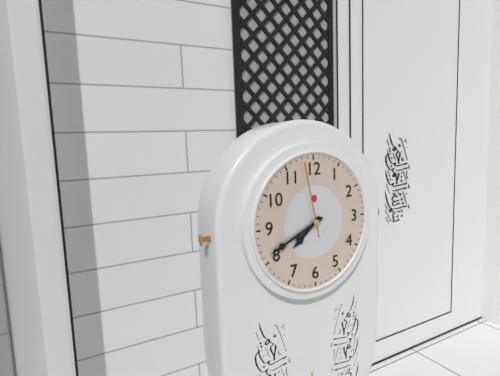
7h41m58s
